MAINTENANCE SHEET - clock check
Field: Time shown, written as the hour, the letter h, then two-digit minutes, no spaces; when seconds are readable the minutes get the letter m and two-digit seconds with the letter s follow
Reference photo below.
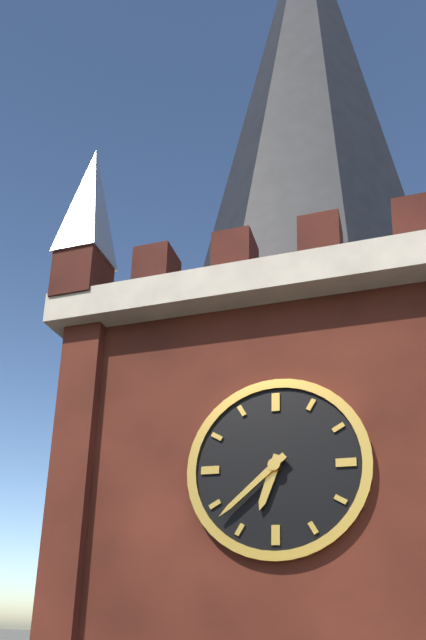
6h38
